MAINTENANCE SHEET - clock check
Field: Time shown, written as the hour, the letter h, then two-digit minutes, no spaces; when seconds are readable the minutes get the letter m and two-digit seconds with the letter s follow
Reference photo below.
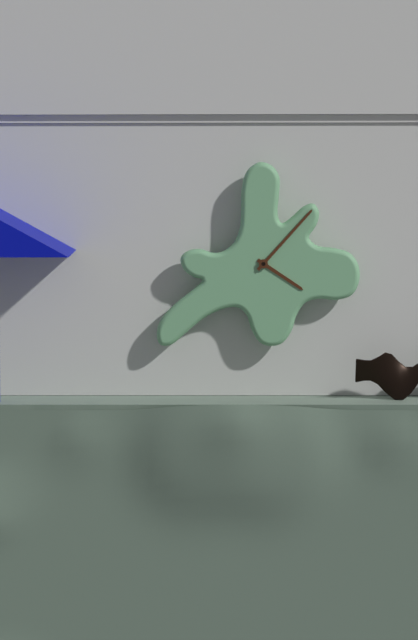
4h07
